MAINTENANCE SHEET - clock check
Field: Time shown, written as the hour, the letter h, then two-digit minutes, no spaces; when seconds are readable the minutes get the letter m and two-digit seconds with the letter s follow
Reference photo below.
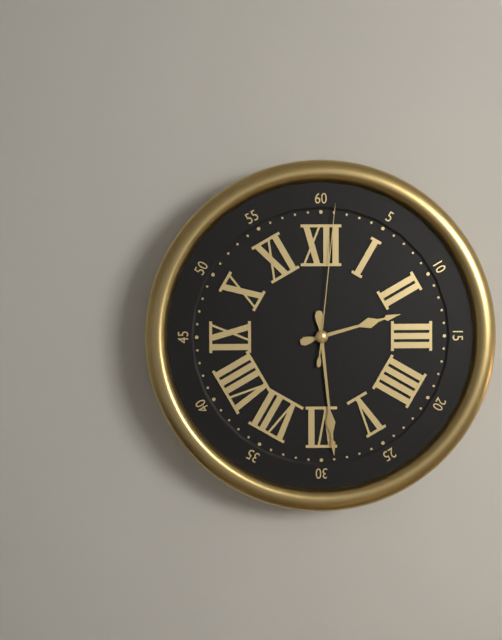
2h29m01s
